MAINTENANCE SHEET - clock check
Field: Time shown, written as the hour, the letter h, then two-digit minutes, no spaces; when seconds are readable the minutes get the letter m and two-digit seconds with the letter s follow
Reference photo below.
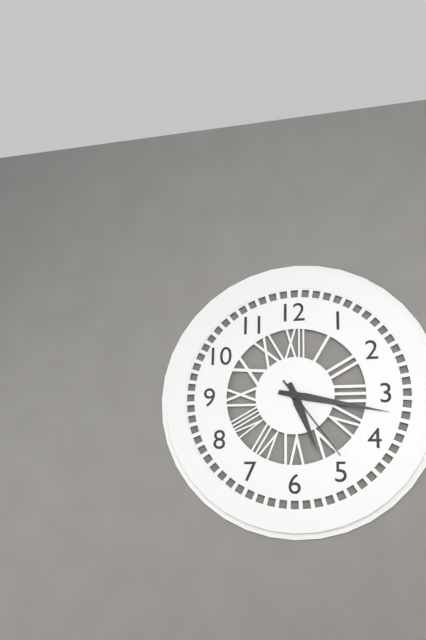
5h17m24s
